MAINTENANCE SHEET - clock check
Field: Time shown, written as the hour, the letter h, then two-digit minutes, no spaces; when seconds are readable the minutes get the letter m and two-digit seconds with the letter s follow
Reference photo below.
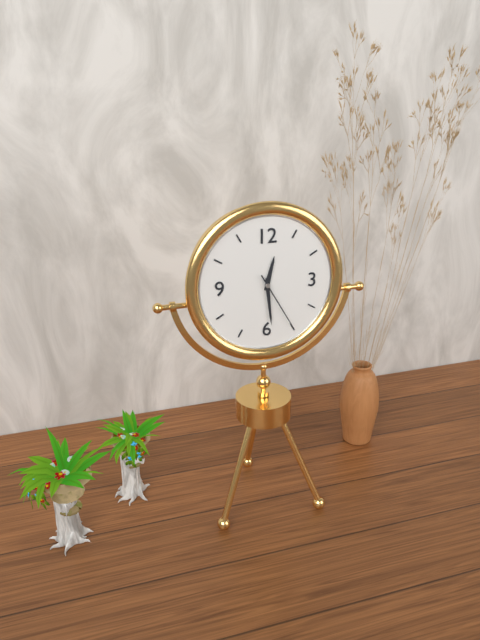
12h29m25s
